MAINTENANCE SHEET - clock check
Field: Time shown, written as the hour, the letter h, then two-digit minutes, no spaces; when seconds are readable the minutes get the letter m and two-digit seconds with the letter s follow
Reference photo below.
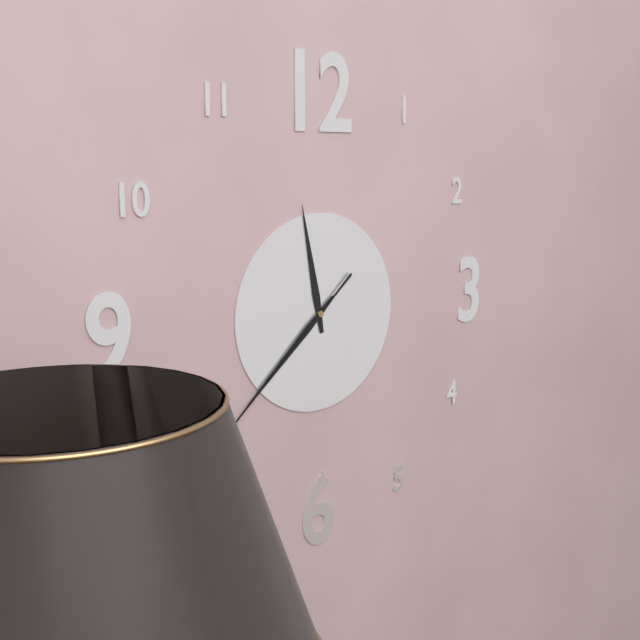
11h38m38s
